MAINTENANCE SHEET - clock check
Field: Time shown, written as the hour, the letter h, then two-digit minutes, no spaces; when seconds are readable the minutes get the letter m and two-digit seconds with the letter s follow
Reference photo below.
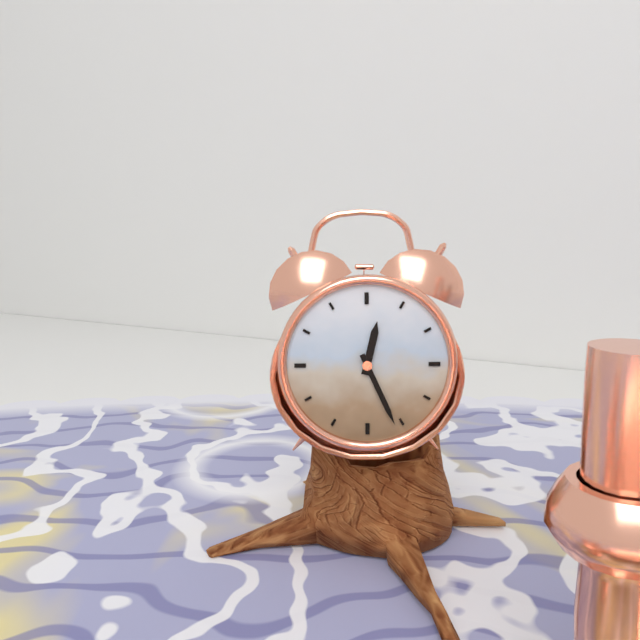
12h26
